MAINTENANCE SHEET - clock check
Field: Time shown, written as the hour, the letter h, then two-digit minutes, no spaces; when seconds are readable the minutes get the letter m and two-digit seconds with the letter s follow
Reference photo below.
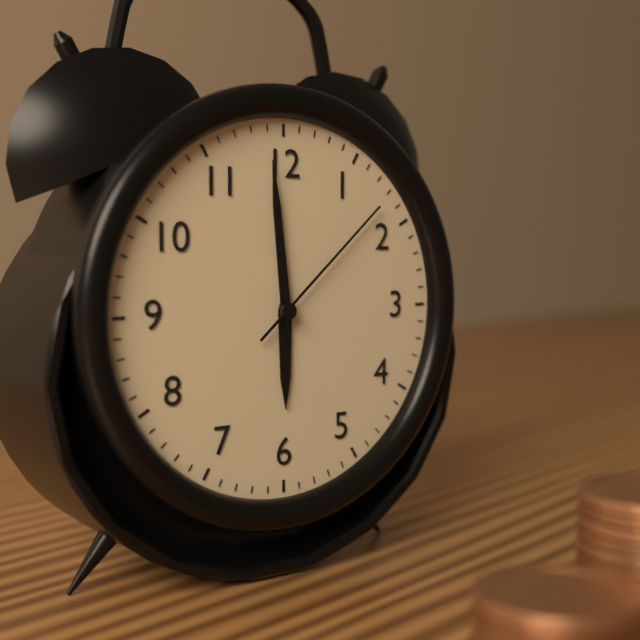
5h59m08s
